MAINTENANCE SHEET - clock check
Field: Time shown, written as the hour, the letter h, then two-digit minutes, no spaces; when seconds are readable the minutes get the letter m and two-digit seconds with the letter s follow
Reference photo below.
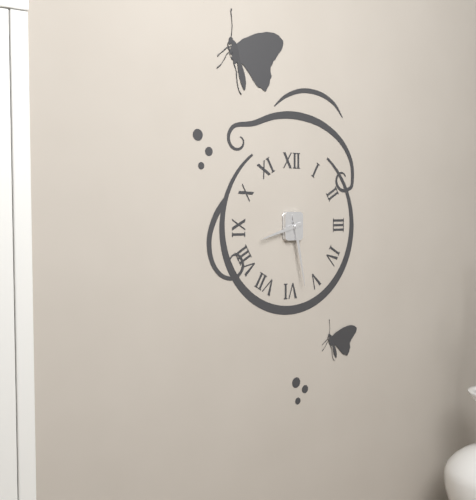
8h28
